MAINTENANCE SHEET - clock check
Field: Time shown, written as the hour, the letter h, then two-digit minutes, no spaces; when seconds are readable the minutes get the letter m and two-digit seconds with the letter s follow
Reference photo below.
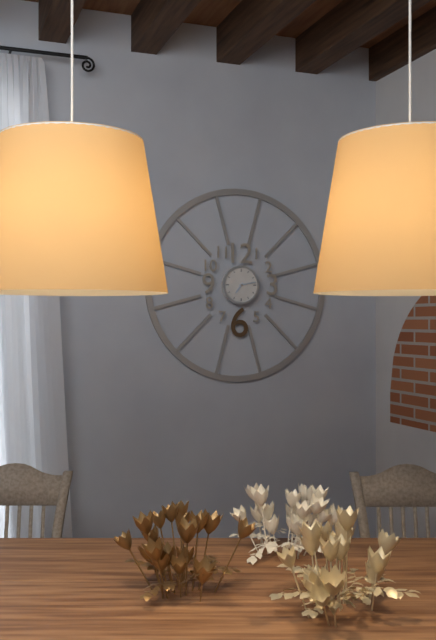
7h13
